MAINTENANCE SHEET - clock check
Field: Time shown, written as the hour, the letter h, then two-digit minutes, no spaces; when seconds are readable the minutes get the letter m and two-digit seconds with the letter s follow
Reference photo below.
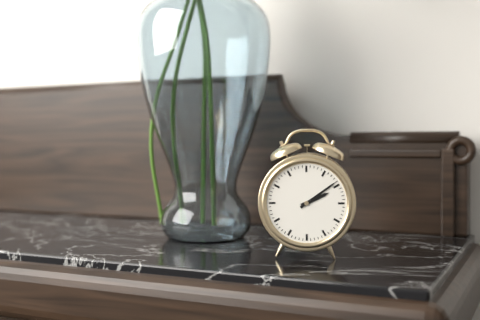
2h09
